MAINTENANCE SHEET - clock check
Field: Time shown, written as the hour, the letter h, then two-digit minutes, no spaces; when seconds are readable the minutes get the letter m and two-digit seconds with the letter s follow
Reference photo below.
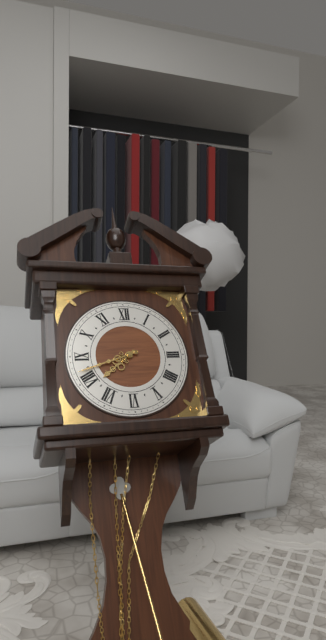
7h42
